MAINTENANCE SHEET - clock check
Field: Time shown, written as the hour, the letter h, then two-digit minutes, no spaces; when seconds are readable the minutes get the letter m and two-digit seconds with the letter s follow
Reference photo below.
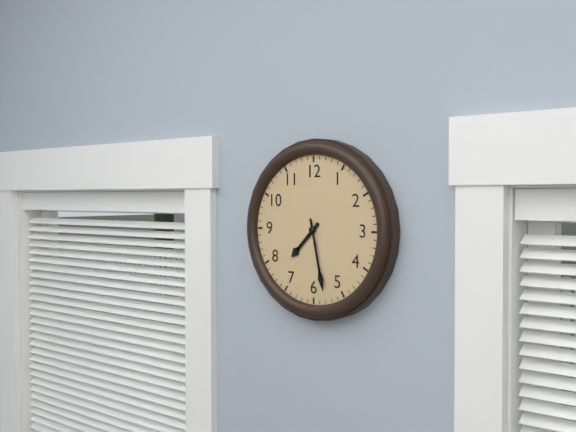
7h28
